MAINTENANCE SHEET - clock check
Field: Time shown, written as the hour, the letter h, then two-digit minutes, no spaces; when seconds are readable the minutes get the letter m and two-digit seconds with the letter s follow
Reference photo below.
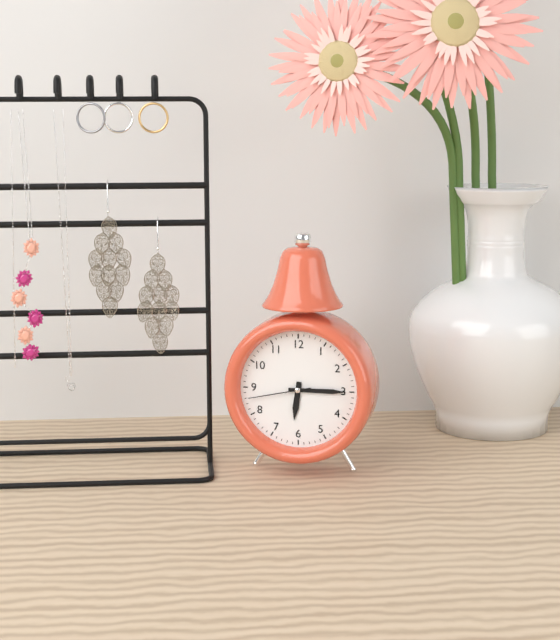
6h15m43s
